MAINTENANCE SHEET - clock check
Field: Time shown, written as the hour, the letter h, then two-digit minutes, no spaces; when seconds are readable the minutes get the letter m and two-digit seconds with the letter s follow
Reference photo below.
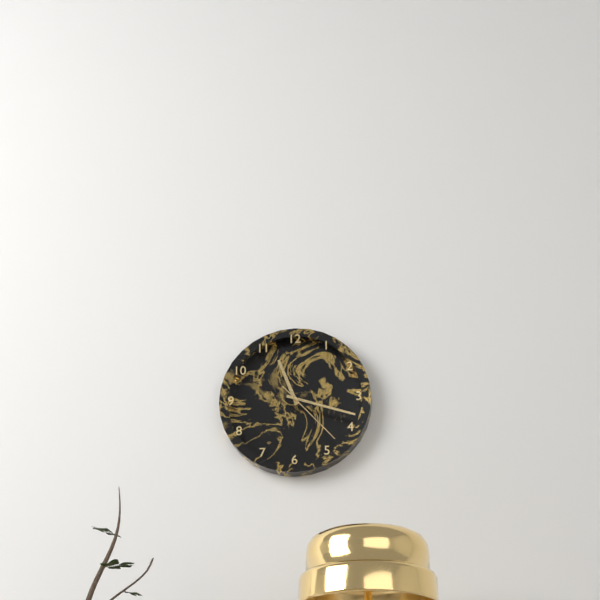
11h18m23s
